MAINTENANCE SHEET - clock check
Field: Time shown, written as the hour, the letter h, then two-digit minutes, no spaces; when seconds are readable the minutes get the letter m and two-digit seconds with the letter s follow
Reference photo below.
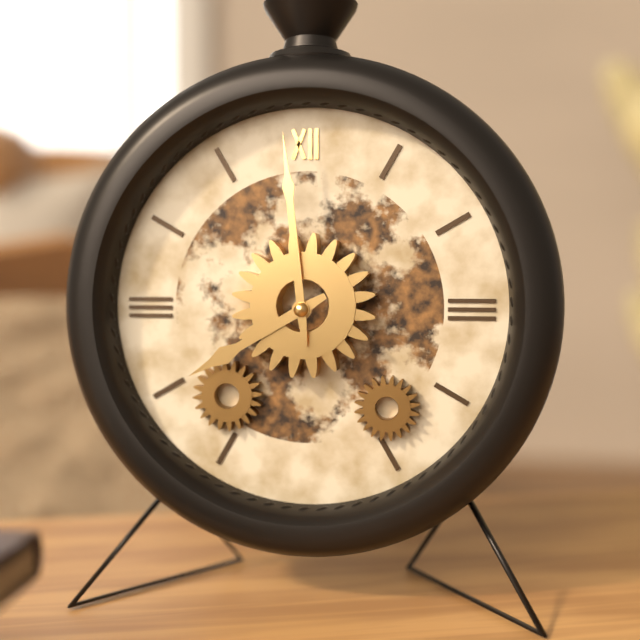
7h59
